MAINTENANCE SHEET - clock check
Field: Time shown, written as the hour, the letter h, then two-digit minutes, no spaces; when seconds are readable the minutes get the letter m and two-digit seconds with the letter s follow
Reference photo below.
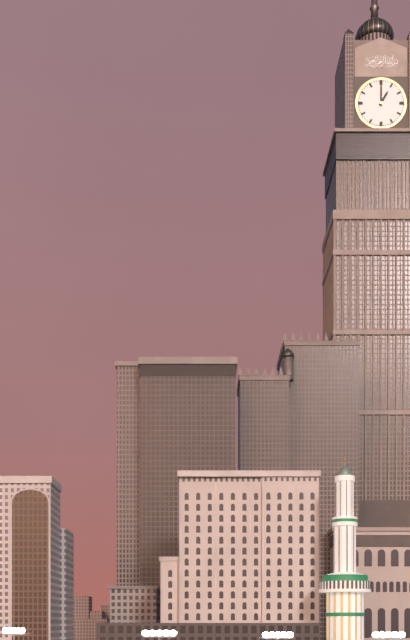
1h00
